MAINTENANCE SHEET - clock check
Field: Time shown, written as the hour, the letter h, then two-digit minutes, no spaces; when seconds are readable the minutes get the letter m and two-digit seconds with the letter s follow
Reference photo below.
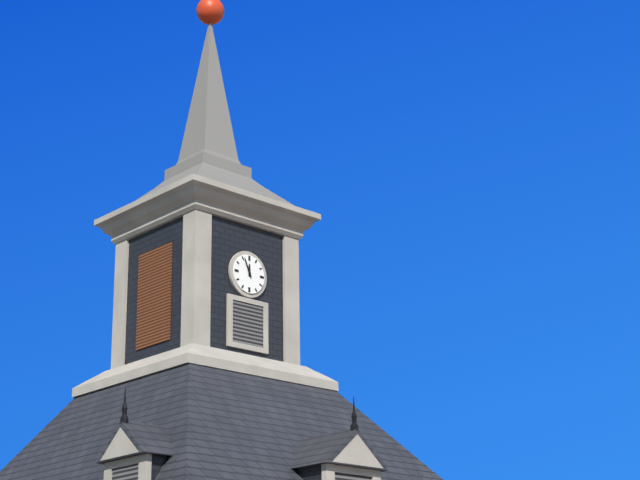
11h56
